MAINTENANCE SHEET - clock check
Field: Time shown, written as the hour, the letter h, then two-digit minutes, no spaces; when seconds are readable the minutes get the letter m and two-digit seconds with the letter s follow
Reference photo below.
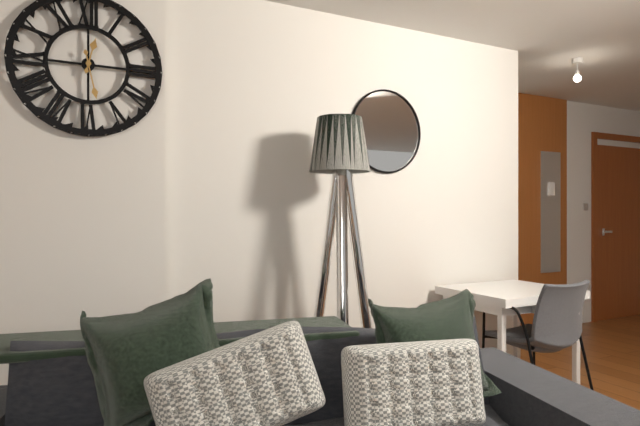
12h28
